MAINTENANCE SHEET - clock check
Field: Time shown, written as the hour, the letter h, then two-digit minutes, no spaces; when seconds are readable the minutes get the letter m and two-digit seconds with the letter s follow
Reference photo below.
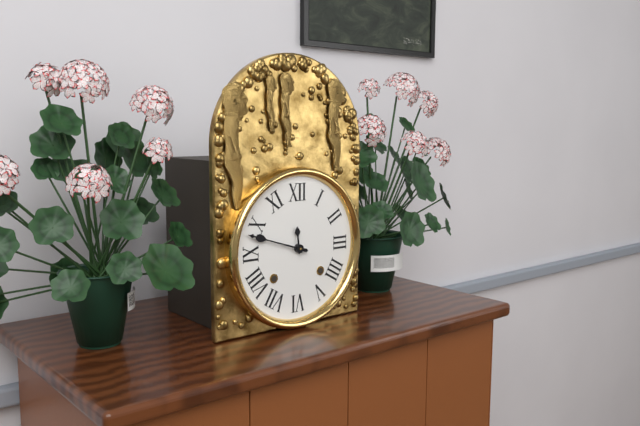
11h48
